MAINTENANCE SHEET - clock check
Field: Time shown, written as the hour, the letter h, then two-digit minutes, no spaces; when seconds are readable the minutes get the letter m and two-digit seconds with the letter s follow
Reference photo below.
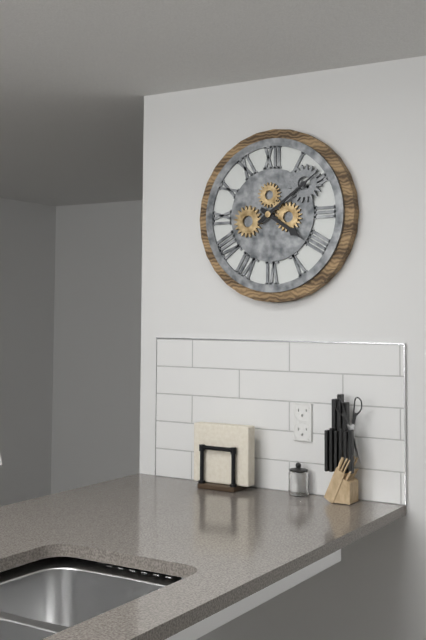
4h09
